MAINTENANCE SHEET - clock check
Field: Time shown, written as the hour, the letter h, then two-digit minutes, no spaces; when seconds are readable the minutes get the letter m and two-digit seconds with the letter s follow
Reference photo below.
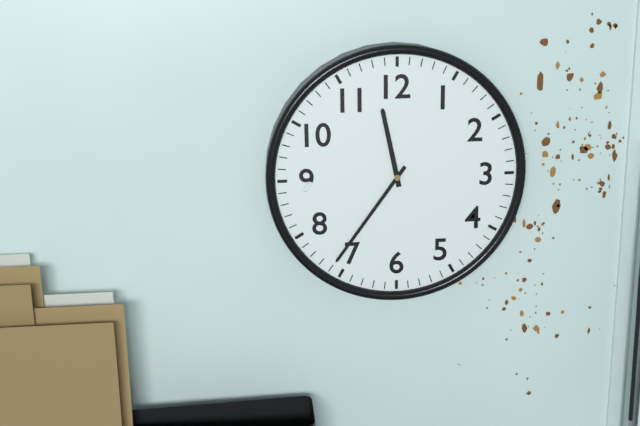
11h36
